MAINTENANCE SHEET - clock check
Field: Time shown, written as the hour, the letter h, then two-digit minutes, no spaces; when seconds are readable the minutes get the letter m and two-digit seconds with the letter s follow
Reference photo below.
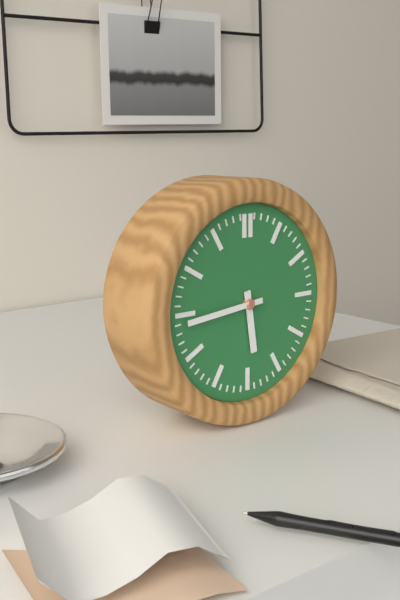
5h44
